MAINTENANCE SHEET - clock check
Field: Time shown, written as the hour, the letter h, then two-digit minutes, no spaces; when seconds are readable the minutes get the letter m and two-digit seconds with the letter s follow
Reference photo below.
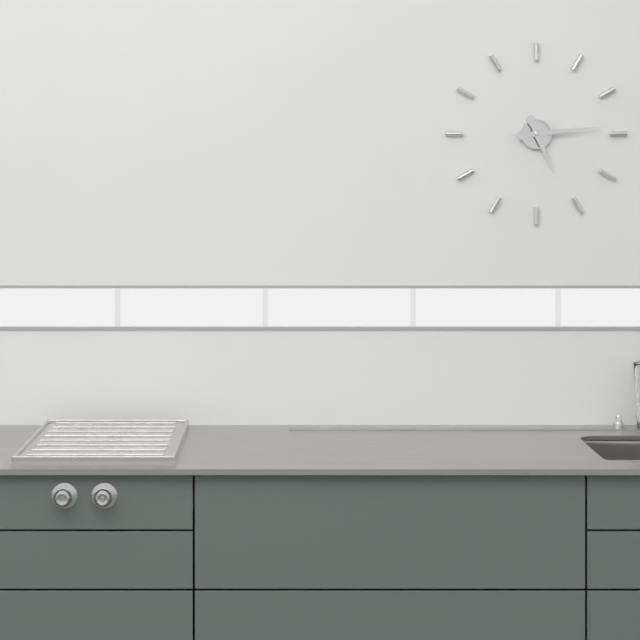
5h14
